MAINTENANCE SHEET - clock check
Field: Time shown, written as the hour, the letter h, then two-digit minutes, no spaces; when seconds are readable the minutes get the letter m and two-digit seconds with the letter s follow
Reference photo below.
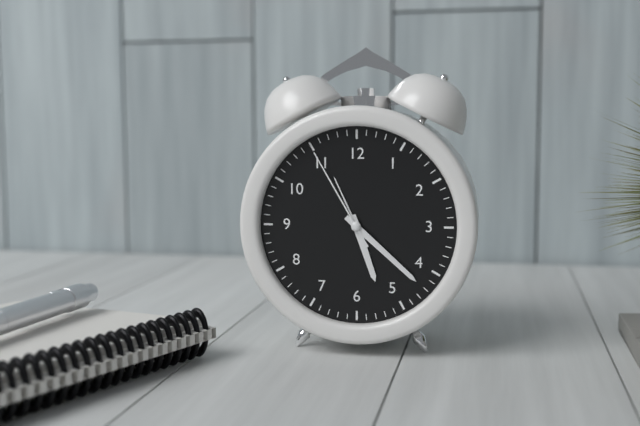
5h22m55s
